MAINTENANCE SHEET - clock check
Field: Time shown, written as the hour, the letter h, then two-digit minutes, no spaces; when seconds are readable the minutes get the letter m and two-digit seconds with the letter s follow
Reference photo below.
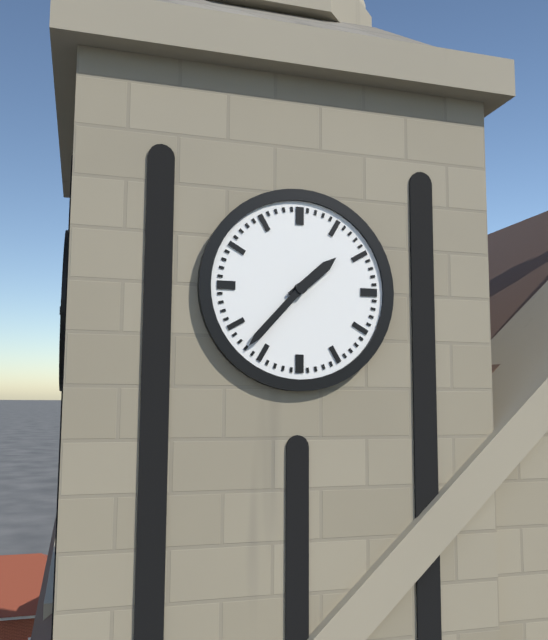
1h37
